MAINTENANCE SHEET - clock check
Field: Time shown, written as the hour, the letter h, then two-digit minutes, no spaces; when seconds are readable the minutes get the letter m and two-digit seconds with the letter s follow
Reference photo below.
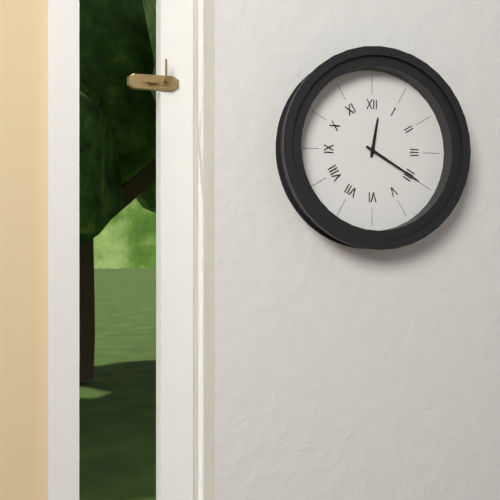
12h20
